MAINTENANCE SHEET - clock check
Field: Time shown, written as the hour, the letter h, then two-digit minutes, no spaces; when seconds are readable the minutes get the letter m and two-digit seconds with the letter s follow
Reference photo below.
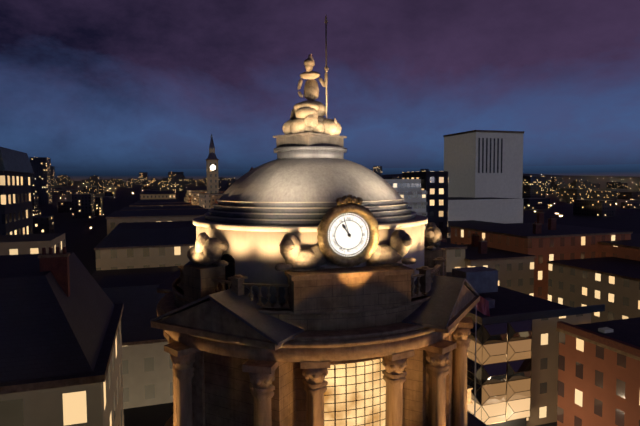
10h57
